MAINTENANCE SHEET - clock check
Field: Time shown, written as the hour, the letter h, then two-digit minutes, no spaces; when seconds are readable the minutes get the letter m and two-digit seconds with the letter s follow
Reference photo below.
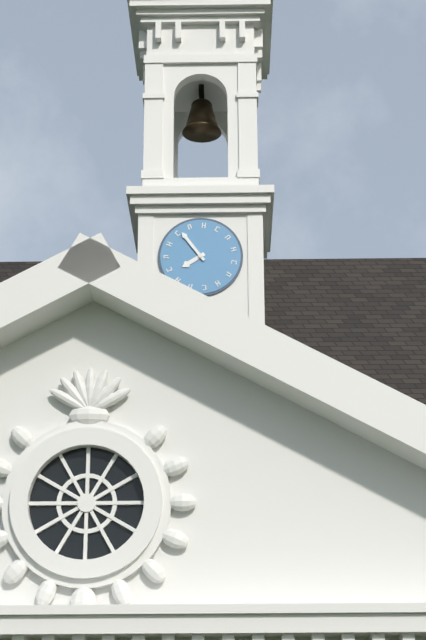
7h54
